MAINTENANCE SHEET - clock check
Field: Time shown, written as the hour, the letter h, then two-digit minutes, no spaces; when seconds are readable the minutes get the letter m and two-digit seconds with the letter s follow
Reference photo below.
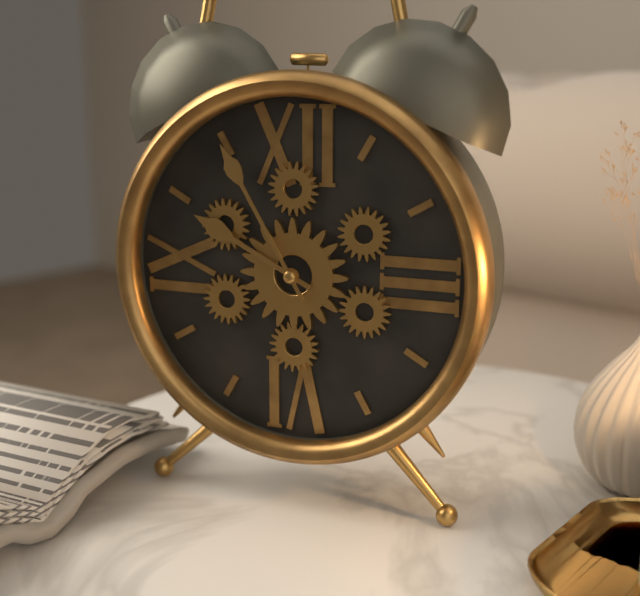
9h55
